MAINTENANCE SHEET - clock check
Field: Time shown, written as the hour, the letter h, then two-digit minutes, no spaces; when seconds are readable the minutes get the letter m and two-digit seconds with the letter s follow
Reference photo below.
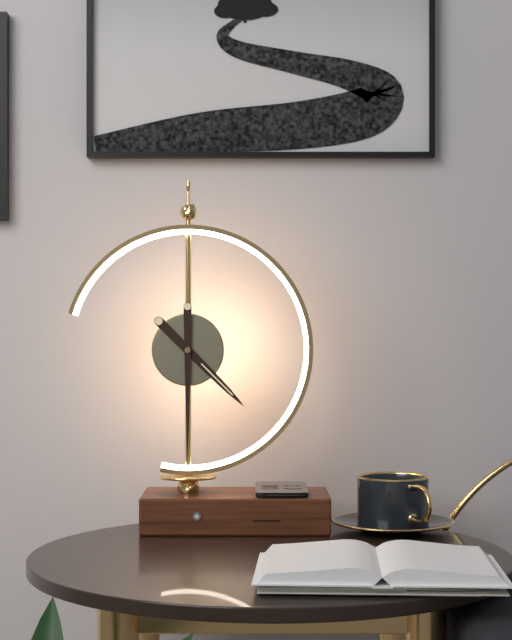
4h30
